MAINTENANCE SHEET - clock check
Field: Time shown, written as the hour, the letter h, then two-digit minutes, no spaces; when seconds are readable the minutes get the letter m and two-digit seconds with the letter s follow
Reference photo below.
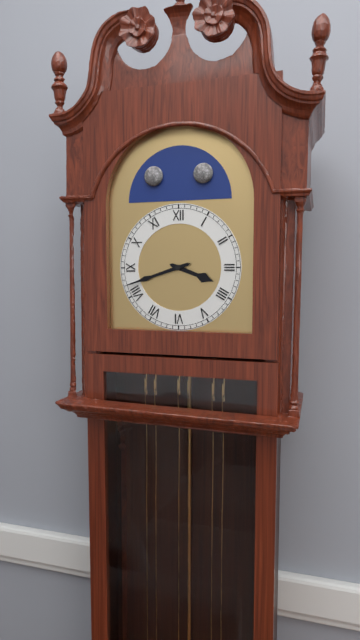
3h42
